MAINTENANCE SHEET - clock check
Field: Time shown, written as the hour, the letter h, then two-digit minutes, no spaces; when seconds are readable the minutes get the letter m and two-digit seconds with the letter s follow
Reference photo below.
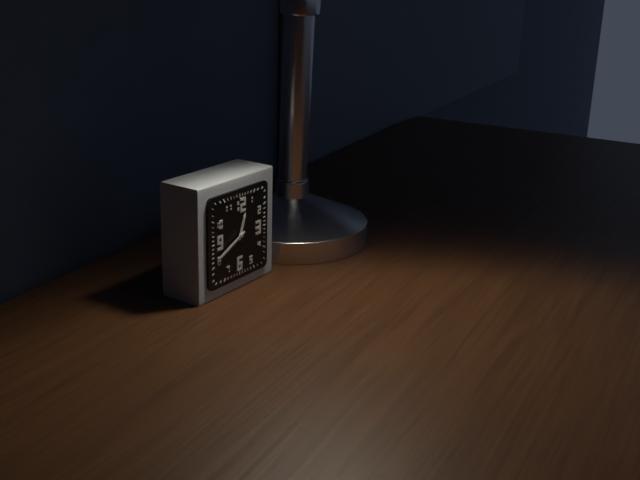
12h41
